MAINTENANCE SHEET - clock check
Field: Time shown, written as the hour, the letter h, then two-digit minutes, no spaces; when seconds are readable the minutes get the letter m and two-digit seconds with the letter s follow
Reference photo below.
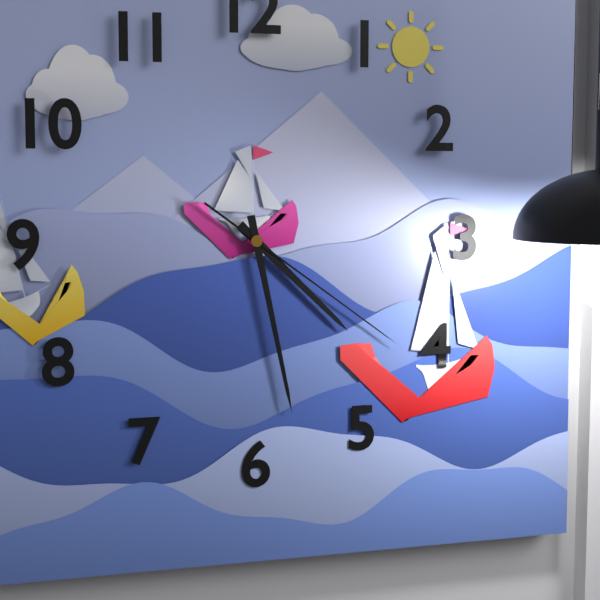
4h28m21s
